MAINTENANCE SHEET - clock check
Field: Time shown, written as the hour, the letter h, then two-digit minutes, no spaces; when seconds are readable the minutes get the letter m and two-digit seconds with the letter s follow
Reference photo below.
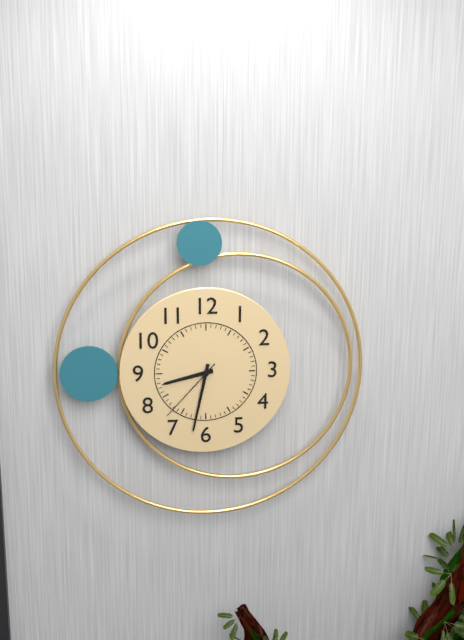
8h32m37s
